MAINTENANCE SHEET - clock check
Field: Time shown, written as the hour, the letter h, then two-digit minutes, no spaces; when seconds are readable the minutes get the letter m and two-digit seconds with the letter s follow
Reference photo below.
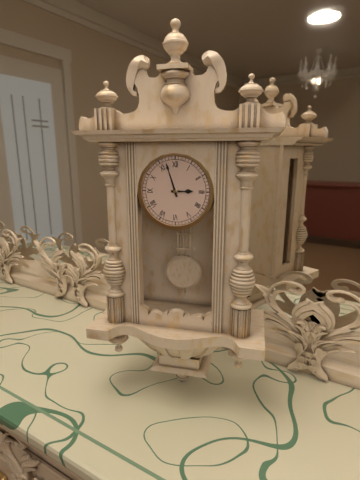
2h57
